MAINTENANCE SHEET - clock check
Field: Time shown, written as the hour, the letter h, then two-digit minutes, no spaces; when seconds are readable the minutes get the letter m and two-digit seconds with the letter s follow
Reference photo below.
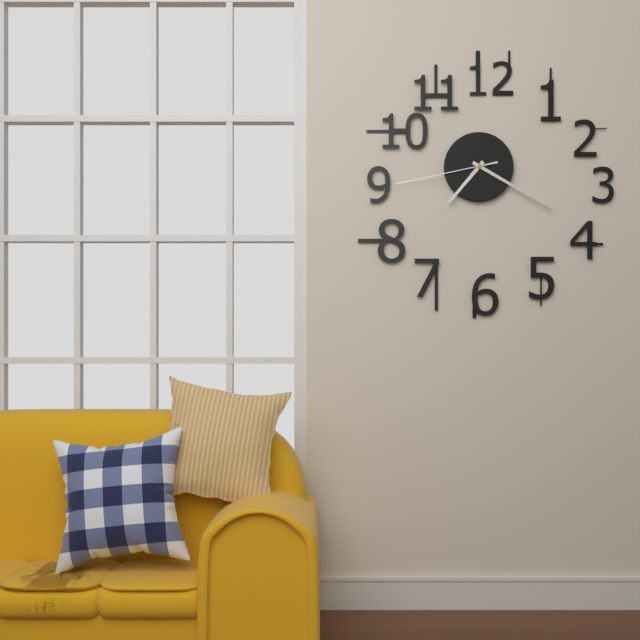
7h20m43s
